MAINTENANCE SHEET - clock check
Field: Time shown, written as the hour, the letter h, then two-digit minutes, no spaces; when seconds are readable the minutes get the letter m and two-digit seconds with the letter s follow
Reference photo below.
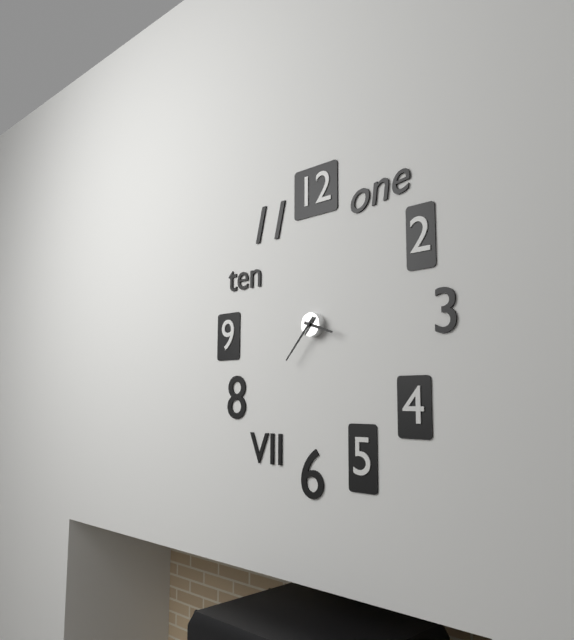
3h37
